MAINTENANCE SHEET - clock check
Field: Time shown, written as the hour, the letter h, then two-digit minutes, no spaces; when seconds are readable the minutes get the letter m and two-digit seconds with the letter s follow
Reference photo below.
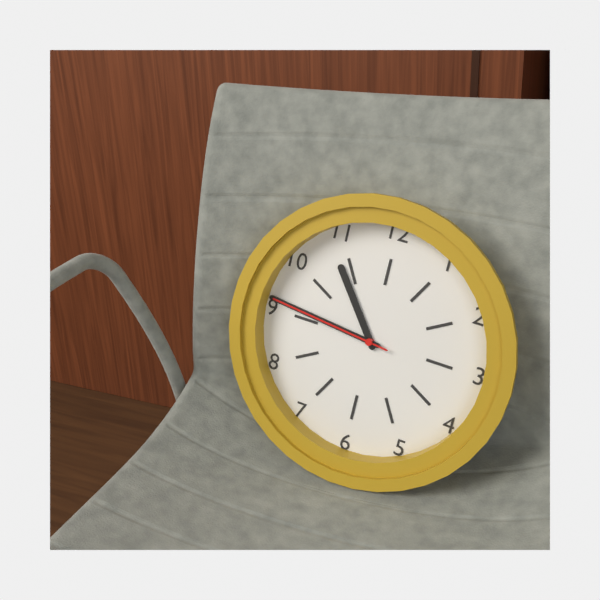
10h46m46s
